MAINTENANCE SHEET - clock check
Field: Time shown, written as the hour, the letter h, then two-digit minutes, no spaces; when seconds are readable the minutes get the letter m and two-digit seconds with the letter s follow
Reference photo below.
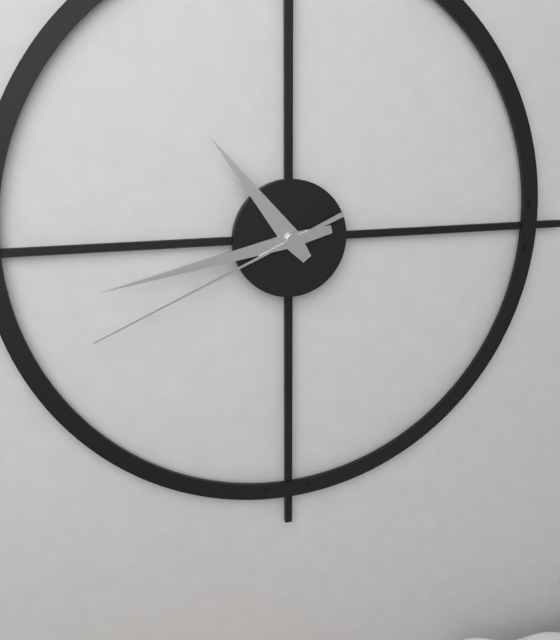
10h43m41s
